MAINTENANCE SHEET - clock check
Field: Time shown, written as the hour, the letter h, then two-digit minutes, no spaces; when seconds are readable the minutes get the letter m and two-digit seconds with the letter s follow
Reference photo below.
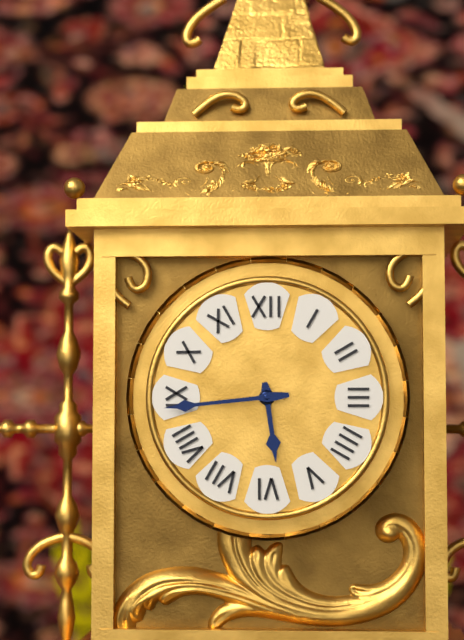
5h44
